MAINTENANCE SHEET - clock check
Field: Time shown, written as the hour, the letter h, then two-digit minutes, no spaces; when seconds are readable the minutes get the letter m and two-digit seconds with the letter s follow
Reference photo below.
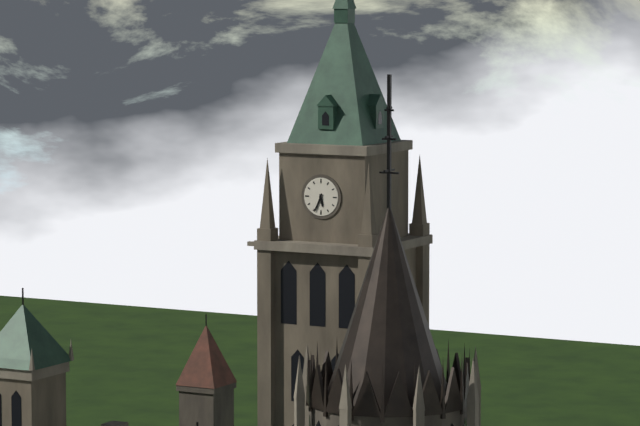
5h34
